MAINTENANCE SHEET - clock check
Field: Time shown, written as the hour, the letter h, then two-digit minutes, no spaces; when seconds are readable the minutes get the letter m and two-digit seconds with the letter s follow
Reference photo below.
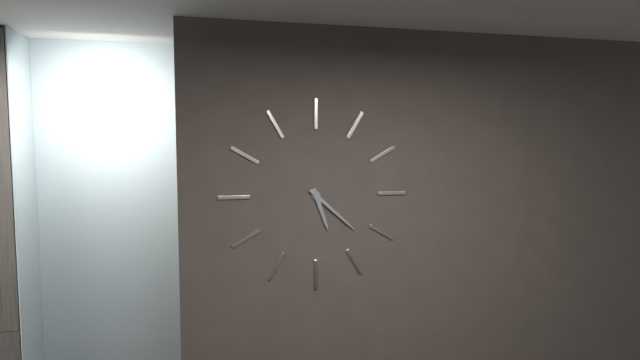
5h22
